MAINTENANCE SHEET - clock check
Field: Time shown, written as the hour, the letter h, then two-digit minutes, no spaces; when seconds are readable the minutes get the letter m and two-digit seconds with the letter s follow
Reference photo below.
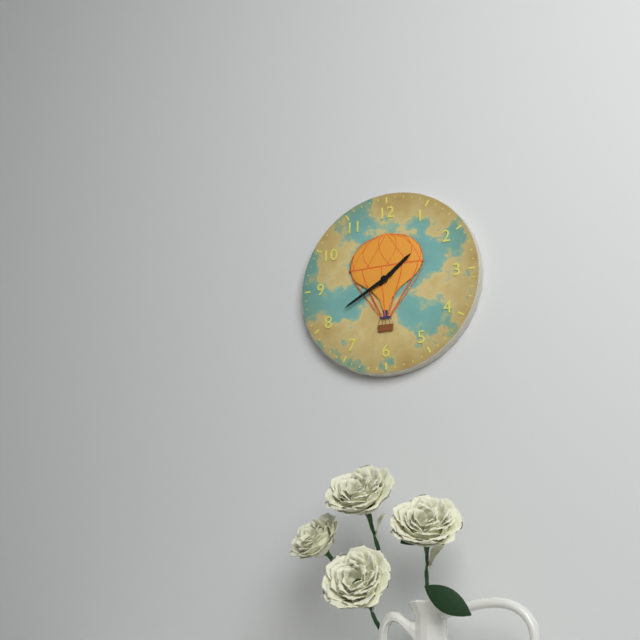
1h40
